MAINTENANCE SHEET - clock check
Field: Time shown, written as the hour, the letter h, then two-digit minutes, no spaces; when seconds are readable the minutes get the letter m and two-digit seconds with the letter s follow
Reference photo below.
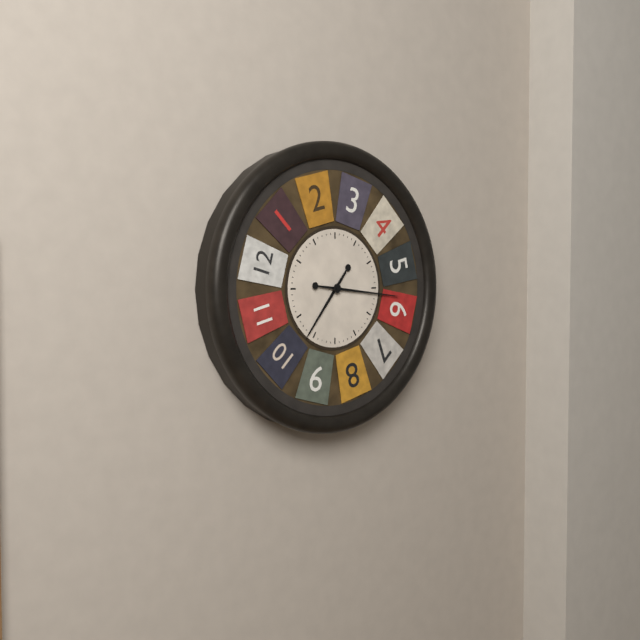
7h16
